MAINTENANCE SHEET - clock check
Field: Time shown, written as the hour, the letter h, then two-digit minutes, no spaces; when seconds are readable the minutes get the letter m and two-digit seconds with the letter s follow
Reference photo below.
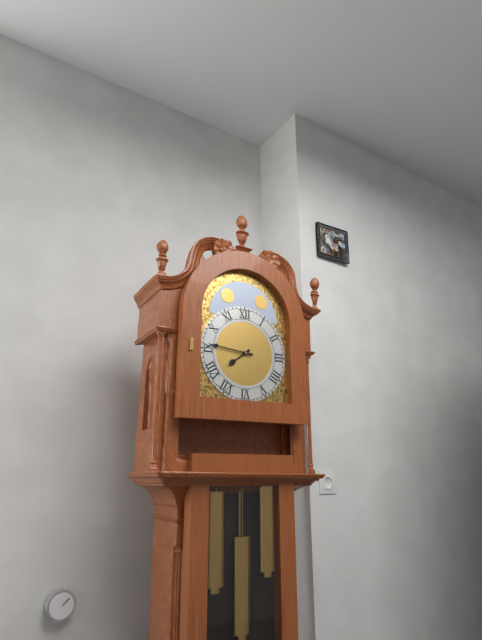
7h46
